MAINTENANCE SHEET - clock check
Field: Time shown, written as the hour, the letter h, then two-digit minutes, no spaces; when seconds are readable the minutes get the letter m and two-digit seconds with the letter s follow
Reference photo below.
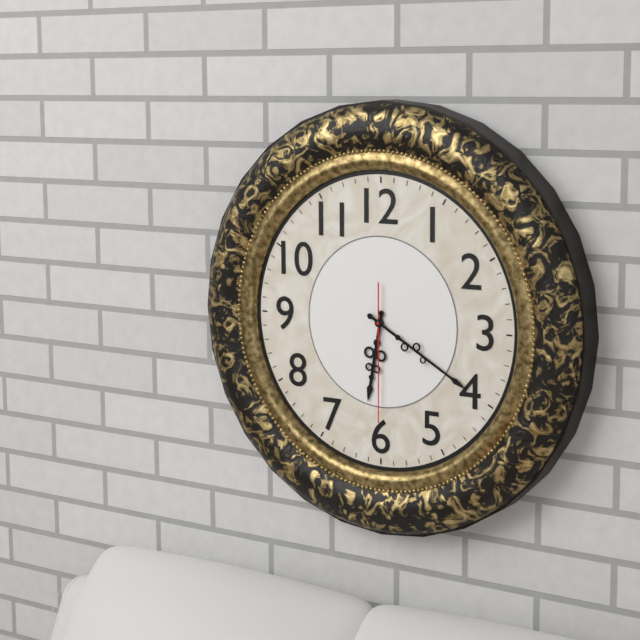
6h20m30s
